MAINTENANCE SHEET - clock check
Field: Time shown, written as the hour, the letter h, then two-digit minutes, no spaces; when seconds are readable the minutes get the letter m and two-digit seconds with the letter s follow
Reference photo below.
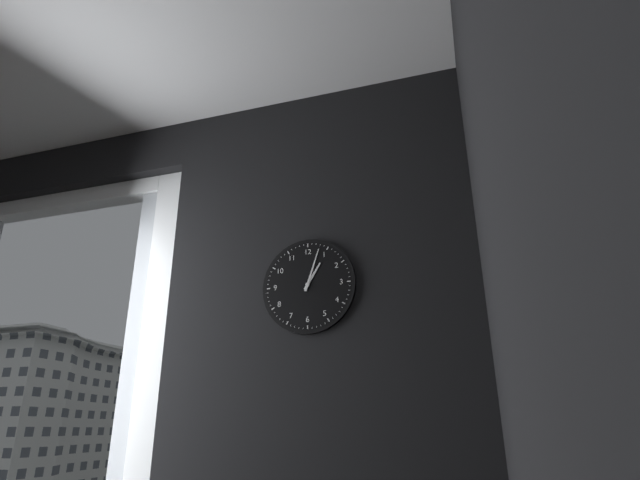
1h03
